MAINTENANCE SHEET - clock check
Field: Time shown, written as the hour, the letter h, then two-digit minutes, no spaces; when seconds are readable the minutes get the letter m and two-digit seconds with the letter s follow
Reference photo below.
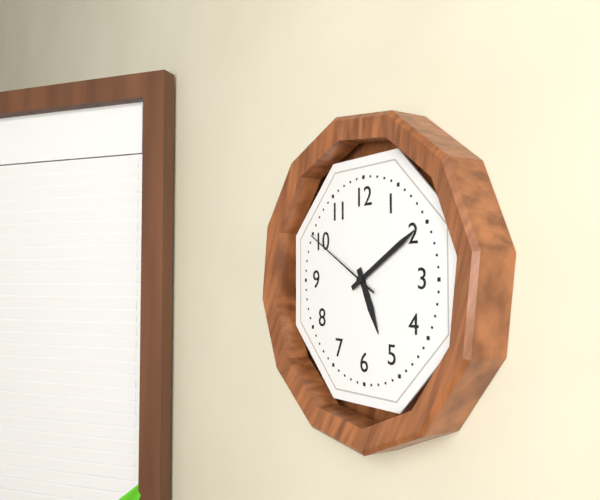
5h10m50s
